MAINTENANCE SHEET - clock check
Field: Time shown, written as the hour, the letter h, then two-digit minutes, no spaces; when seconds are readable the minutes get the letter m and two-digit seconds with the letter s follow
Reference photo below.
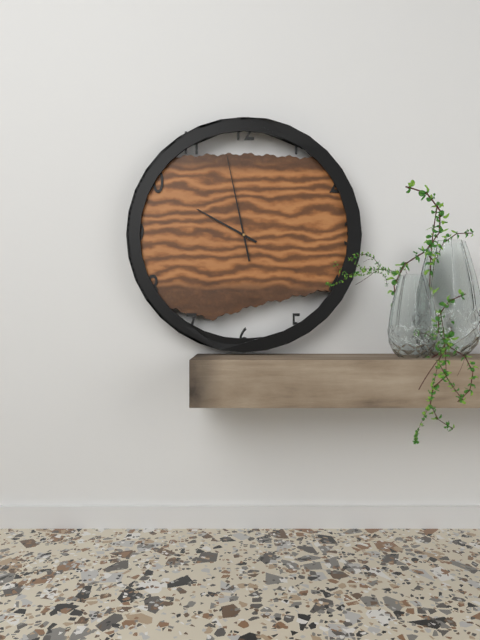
9h58
